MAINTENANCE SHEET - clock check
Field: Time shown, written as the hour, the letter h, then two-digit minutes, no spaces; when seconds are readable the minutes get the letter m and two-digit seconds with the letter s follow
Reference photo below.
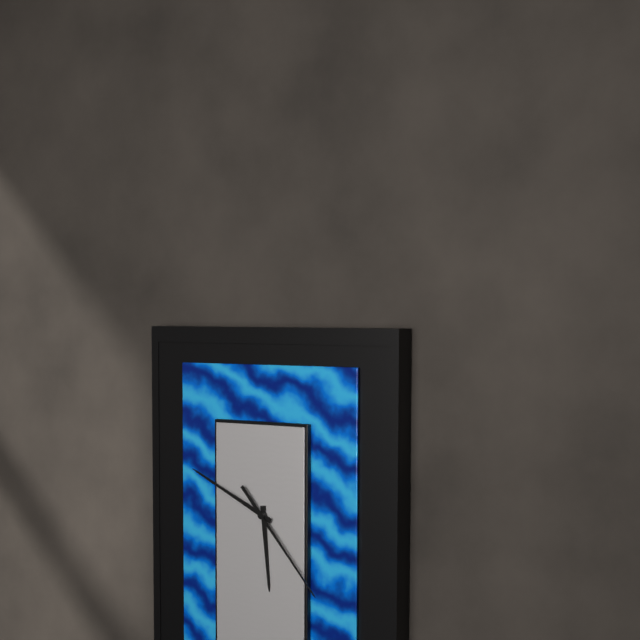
5h49m23s
